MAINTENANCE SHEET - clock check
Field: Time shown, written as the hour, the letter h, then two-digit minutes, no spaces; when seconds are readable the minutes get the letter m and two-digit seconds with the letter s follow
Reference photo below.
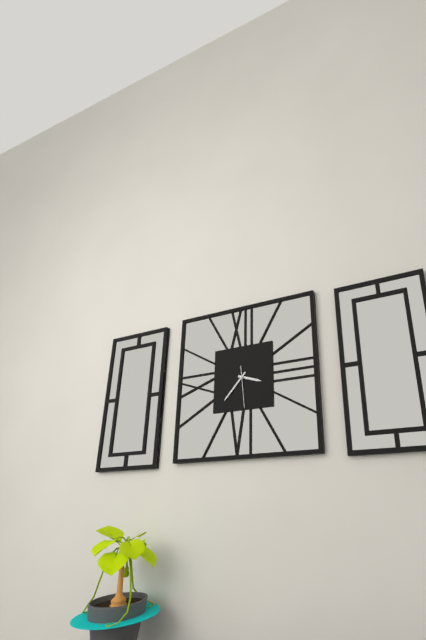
3h37
